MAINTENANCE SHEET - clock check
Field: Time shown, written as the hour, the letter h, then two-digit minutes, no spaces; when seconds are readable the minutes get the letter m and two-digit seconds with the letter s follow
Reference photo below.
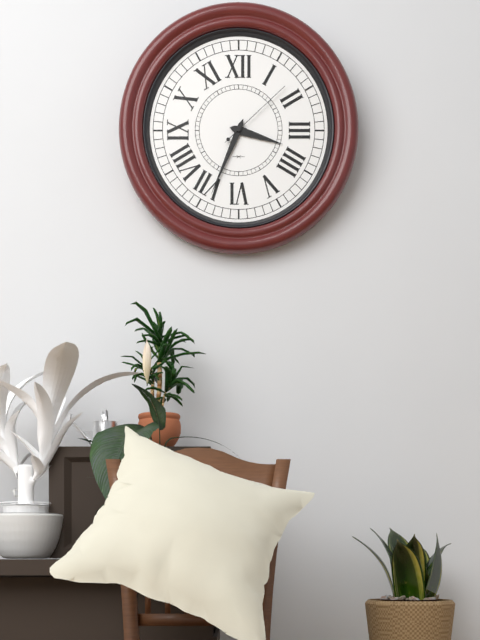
3h34m08s
